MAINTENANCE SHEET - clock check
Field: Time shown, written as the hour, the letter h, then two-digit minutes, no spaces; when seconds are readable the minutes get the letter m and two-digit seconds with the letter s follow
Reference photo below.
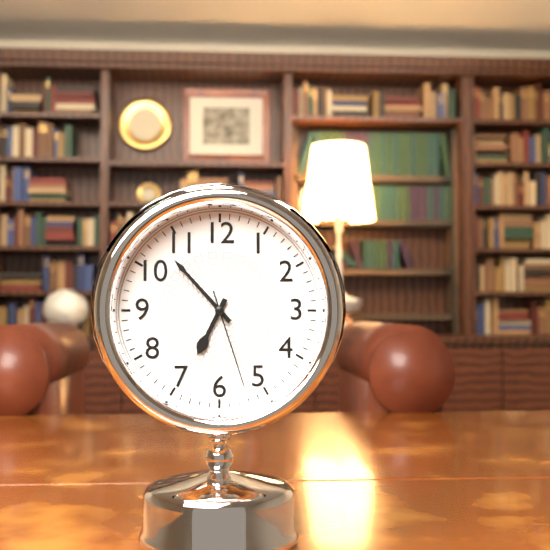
6h53m27s
